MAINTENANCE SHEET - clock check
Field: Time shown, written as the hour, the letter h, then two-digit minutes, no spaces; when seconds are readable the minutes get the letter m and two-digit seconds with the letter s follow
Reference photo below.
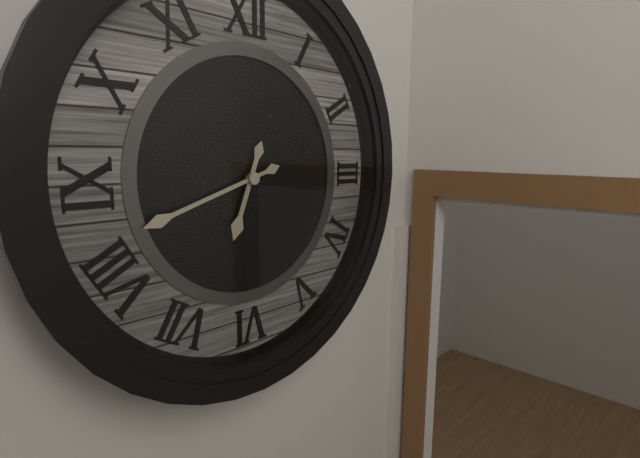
6h42
